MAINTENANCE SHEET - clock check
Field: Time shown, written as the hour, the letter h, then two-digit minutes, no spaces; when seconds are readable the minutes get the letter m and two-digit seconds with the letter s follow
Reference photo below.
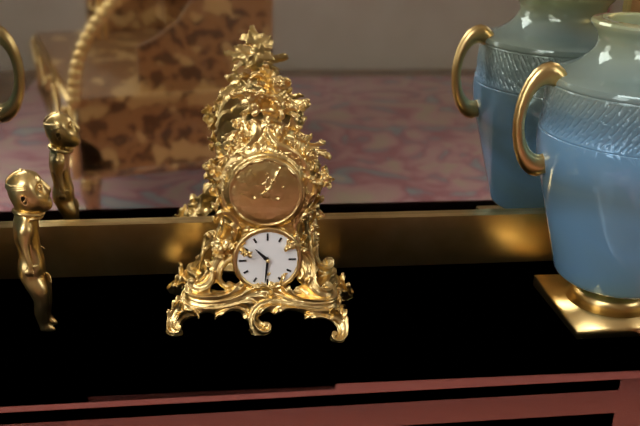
10h31
